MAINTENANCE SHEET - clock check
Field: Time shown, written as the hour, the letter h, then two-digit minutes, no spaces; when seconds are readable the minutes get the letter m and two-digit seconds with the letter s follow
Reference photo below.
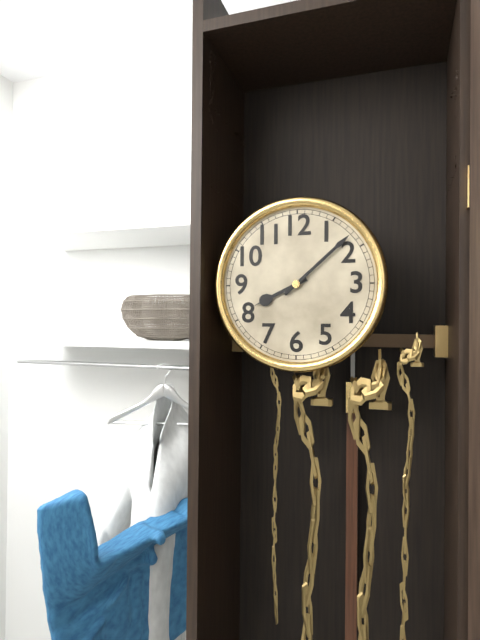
8h08
